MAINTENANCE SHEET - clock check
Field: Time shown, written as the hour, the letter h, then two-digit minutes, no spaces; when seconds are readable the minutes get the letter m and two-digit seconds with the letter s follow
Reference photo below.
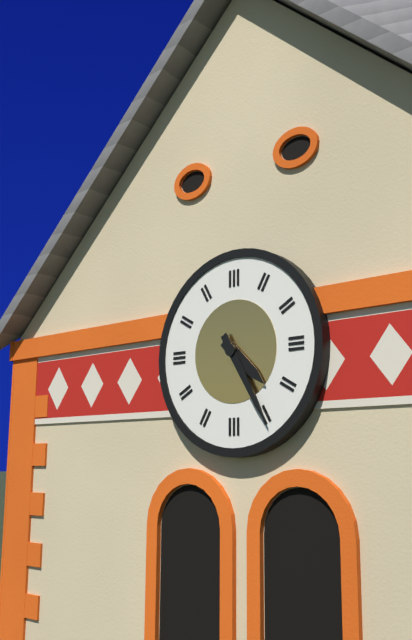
4h25
